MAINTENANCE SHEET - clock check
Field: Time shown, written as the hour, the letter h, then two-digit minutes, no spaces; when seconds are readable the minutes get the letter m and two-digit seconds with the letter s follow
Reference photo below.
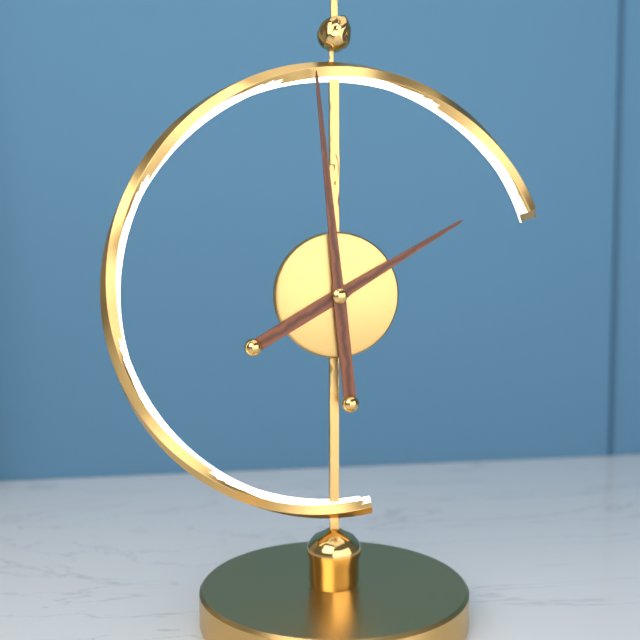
1h59
